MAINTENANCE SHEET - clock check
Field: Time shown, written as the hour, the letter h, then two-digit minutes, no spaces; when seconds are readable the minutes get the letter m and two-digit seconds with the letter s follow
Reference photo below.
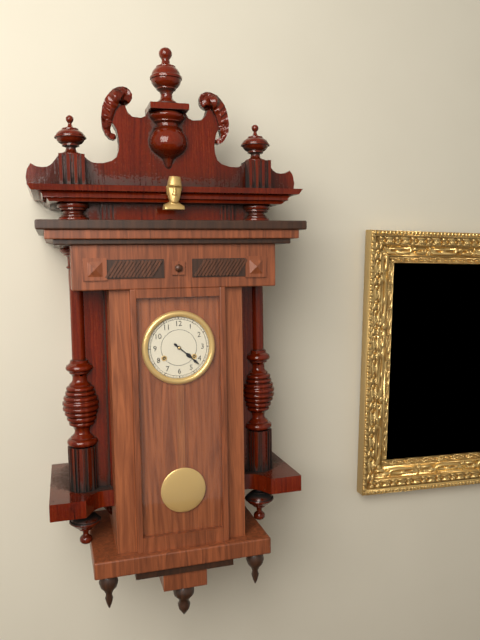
4h22
